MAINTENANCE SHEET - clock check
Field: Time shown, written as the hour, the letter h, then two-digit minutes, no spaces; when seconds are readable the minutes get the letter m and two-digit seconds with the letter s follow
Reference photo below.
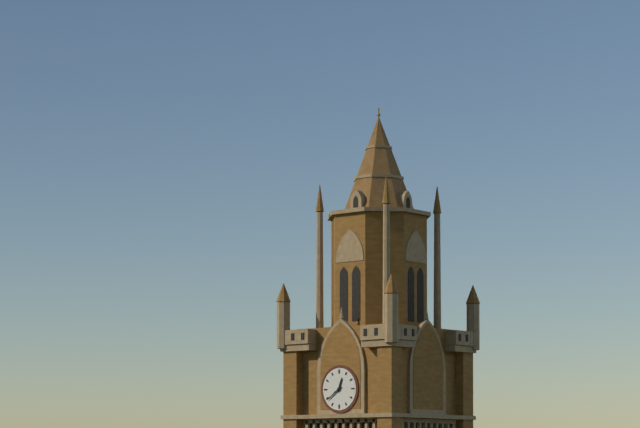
12h39
